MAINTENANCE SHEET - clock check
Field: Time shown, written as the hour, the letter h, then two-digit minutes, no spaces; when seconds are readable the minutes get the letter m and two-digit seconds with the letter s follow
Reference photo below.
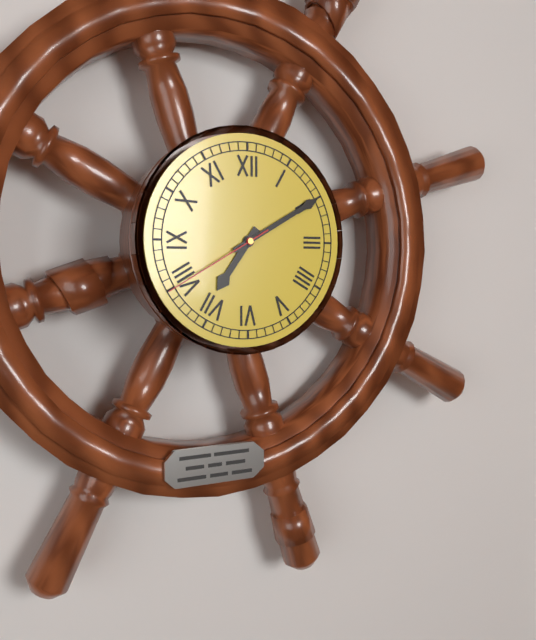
7h10m40s
